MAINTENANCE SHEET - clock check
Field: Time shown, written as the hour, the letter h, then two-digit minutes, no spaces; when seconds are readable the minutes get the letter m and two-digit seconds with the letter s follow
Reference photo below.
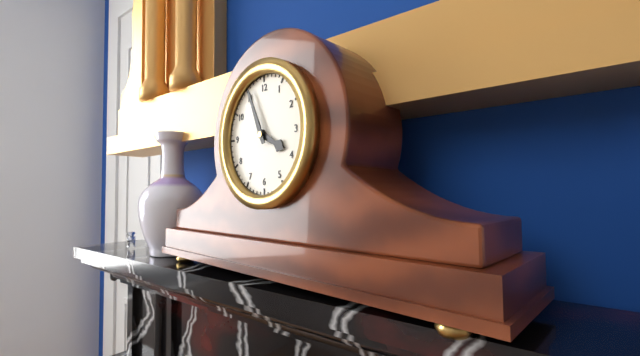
3h56
